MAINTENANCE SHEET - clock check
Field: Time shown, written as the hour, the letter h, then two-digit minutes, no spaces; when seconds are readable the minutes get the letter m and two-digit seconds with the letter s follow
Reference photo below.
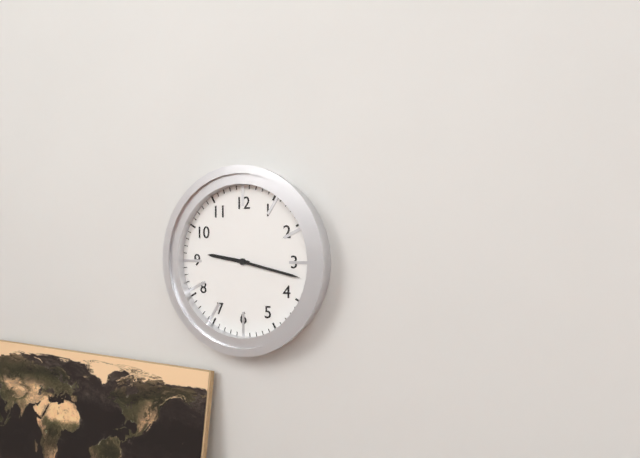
9h17
